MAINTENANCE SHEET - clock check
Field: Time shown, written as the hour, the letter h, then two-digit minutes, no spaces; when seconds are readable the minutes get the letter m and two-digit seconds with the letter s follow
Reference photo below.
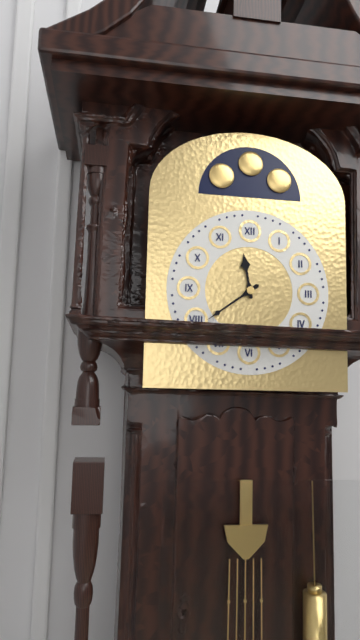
11h39
